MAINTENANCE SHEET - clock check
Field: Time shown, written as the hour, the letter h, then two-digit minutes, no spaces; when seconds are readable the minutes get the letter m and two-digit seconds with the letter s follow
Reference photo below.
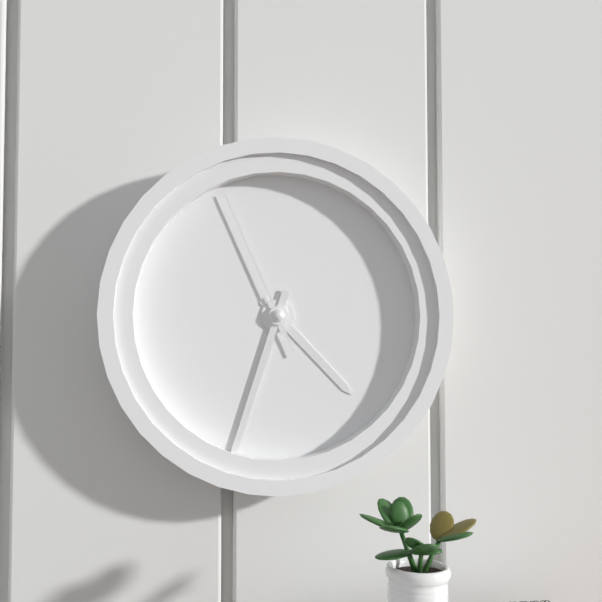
4h33m56s
